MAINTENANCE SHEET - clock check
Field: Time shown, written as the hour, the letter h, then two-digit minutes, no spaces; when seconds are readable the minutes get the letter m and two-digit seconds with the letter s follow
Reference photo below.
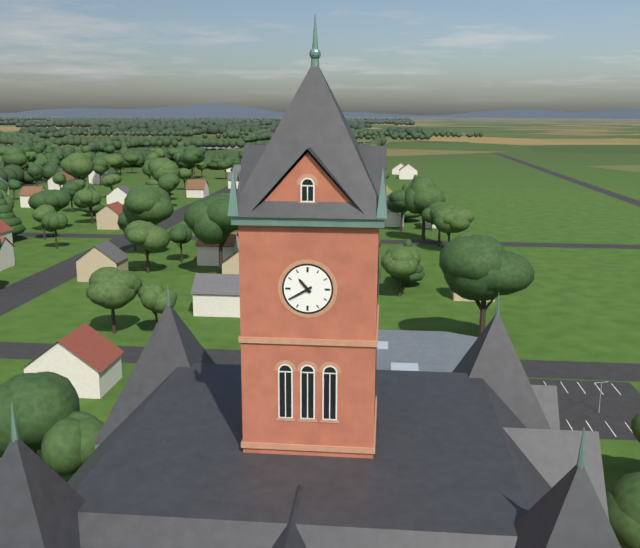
10h40
